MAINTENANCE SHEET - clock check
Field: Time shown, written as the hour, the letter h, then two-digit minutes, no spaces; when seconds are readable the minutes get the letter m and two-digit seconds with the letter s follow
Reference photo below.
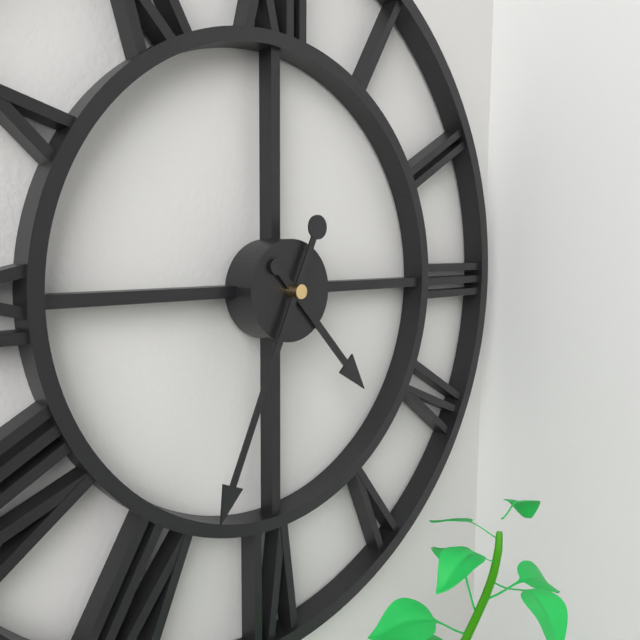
4h34
